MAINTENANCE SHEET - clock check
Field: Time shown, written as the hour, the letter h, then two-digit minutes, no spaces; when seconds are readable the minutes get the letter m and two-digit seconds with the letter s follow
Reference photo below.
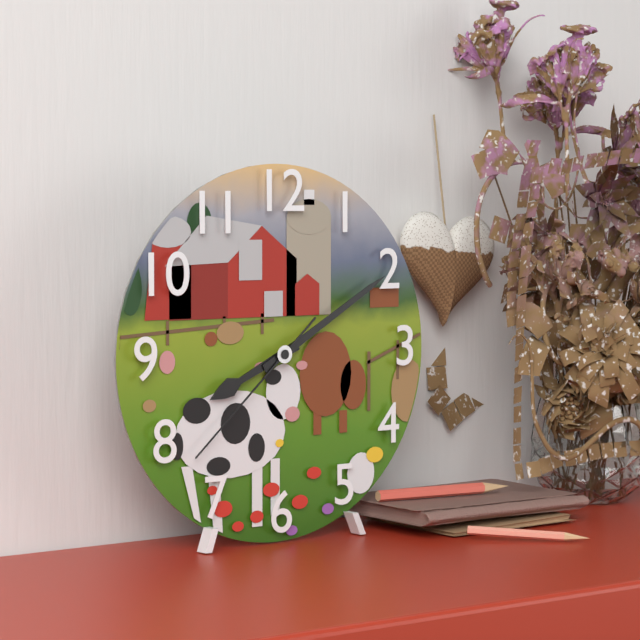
8h10m38s
